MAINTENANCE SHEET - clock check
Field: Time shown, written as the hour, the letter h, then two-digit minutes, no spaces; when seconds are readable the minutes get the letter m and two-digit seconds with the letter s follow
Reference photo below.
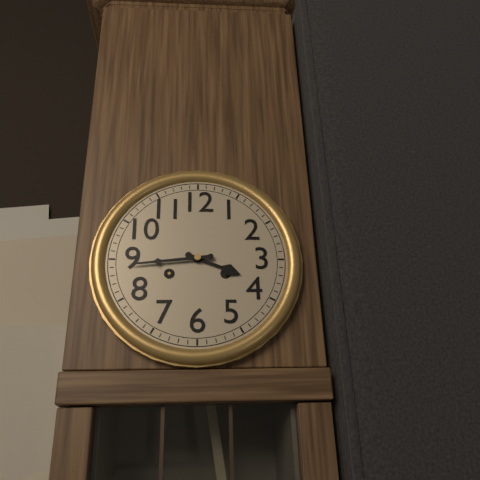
3h44
